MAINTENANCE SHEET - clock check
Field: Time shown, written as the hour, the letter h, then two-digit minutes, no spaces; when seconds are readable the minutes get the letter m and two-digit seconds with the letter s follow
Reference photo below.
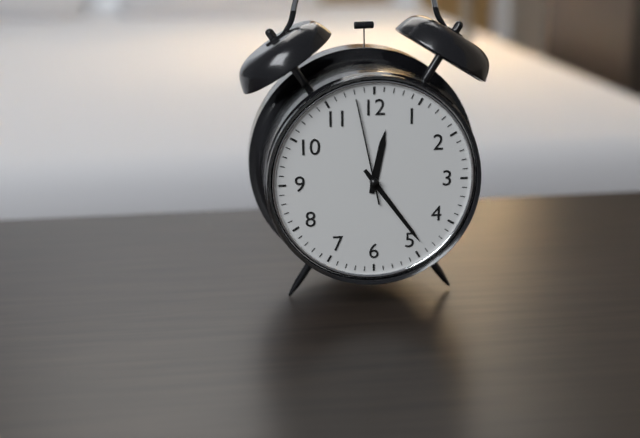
12h24m58s
